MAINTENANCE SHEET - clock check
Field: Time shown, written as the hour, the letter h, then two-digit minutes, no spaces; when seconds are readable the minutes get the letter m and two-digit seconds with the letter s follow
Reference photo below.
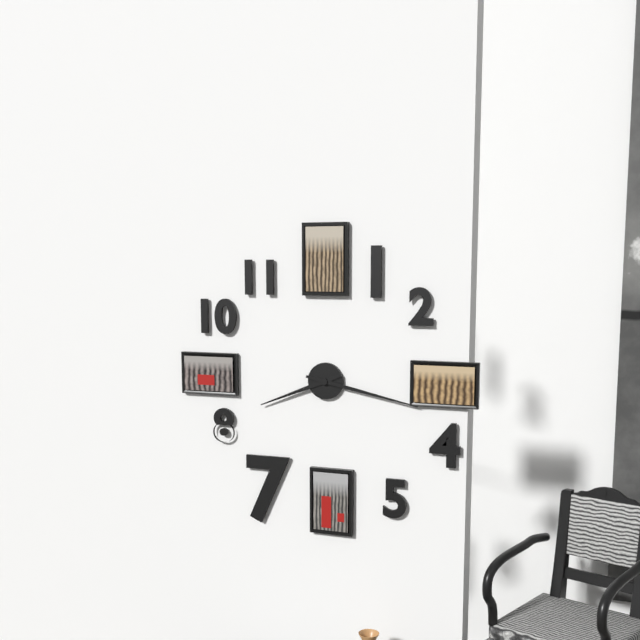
8h17
